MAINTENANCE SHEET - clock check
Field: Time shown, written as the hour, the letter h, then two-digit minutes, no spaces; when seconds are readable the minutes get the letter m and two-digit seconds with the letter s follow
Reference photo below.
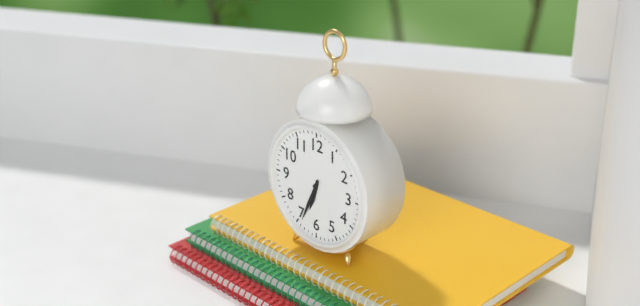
6h34
